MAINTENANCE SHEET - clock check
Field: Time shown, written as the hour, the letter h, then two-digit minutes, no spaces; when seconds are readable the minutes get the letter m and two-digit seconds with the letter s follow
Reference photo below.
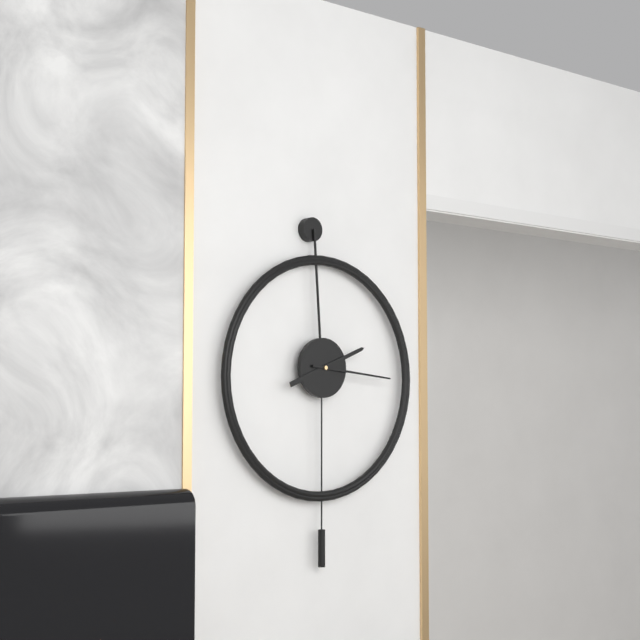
2h16
